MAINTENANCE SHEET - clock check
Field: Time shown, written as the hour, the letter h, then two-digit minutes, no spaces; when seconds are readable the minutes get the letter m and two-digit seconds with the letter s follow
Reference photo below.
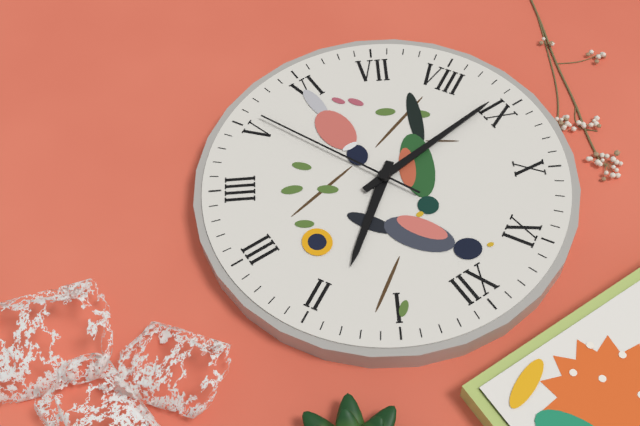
1h44m26s
